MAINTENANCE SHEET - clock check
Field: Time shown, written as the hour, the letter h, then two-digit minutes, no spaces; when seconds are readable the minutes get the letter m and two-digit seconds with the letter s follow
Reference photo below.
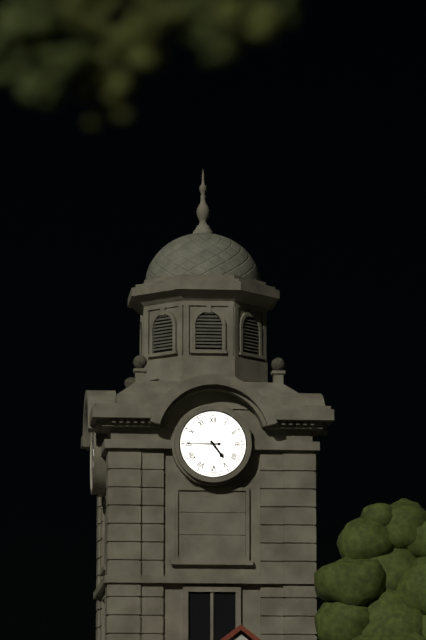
4h45
